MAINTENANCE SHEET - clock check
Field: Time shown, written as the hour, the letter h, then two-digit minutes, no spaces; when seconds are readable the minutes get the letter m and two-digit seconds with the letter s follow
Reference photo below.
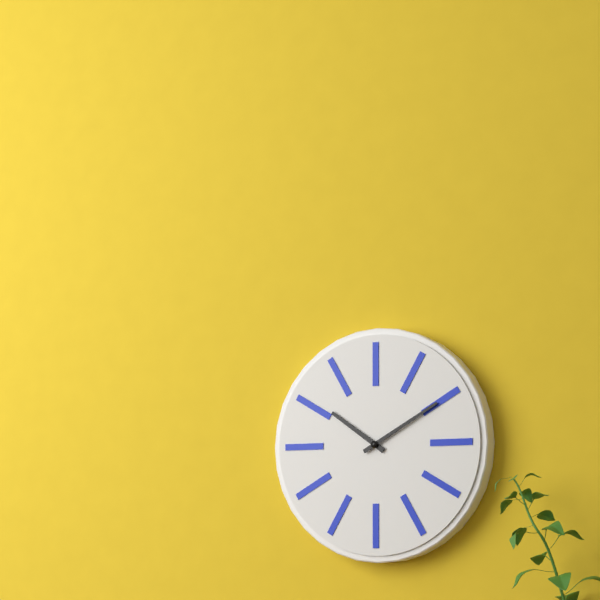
10h10
